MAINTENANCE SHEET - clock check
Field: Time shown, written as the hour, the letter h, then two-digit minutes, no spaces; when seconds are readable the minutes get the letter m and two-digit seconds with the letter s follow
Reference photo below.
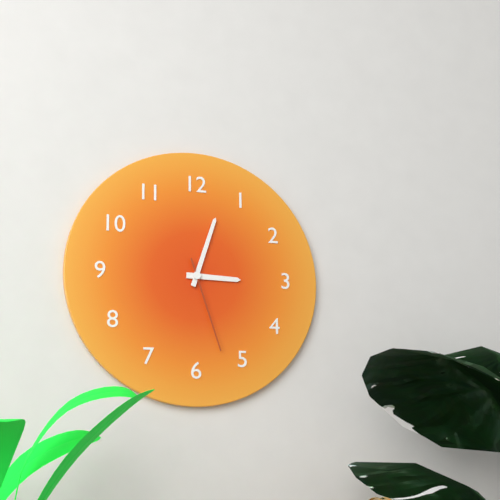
3h03m27s
